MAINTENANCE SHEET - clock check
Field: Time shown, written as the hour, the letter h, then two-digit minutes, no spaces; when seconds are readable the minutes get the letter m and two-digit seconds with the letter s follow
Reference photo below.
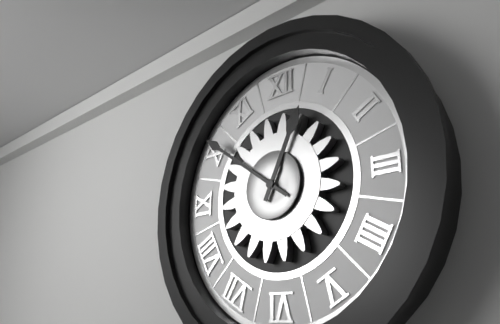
12h51
